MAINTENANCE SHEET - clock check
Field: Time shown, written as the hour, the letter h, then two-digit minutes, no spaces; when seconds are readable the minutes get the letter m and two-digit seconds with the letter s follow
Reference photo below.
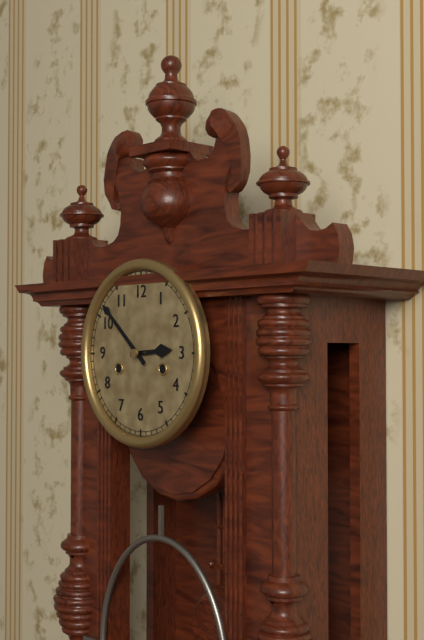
2h52
